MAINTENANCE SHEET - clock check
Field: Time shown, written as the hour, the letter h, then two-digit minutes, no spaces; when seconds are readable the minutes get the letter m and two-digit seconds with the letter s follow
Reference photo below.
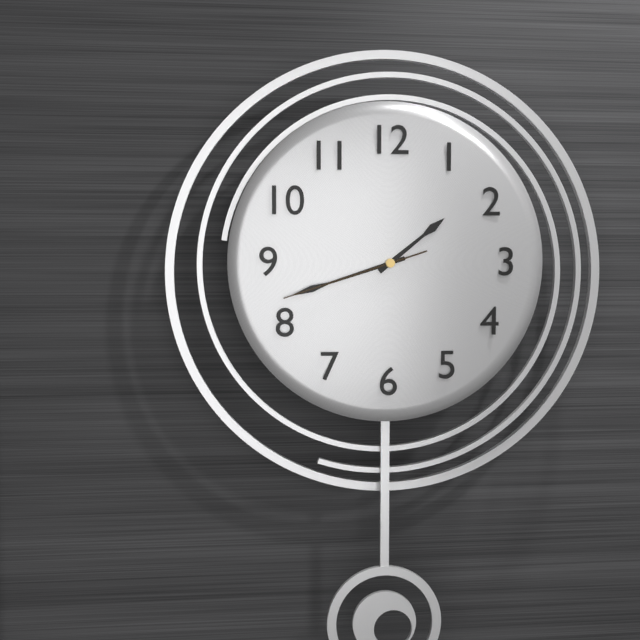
1h42m42s
